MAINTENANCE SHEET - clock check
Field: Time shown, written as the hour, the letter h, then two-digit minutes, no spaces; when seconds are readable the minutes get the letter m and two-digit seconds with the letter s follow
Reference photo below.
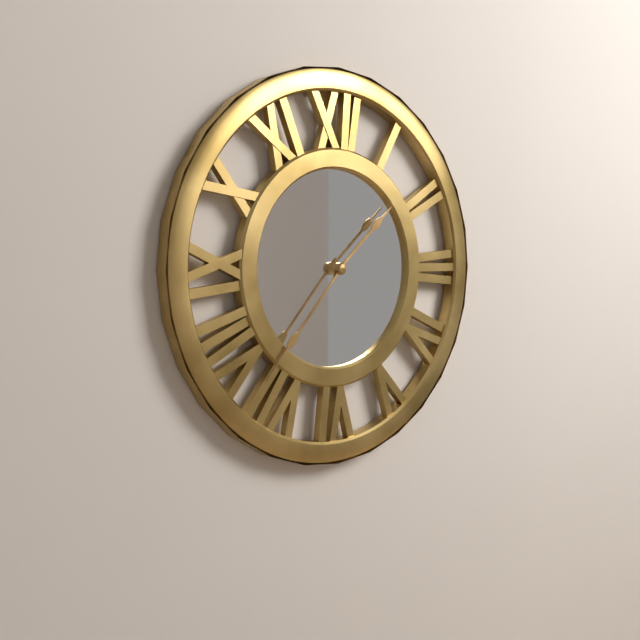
1h37
